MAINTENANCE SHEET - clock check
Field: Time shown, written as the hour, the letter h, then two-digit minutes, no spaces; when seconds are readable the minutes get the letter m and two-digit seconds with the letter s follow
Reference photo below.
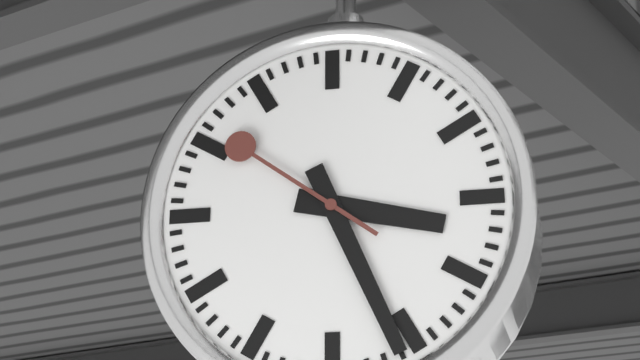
3h26m51s
